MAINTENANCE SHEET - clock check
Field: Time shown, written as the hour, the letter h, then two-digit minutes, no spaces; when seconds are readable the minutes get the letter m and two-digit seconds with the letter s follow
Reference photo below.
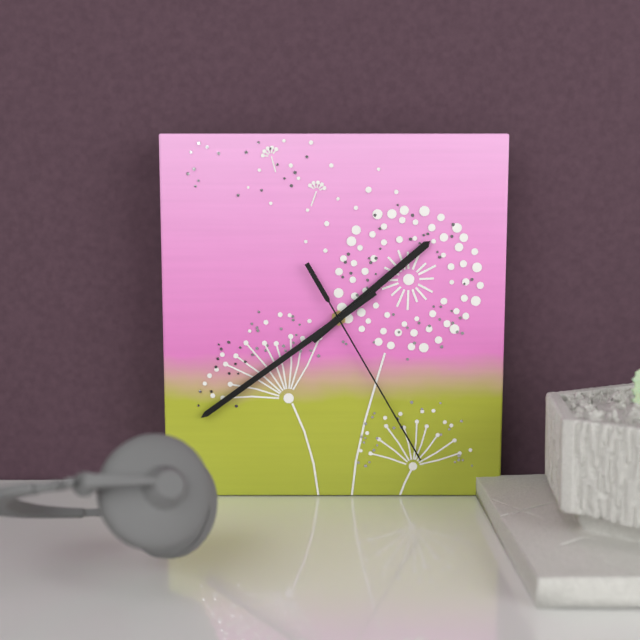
1h39m25s
